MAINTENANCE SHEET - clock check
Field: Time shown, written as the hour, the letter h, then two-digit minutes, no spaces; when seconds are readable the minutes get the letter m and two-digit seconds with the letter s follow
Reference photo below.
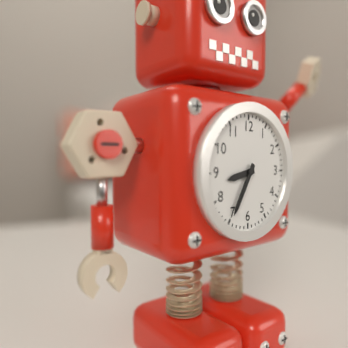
8h35
